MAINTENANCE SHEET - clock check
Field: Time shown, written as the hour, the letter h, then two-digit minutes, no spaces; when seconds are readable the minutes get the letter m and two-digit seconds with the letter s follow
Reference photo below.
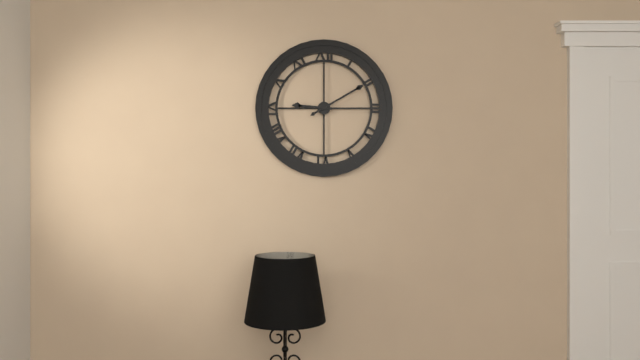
9h10
